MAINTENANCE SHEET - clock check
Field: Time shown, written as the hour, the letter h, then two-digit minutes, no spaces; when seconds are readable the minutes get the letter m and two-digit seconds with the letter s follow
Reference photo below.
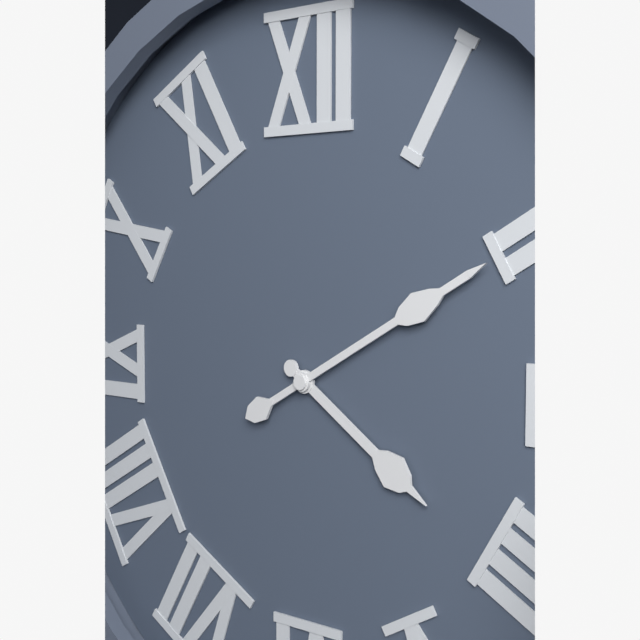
4h10
